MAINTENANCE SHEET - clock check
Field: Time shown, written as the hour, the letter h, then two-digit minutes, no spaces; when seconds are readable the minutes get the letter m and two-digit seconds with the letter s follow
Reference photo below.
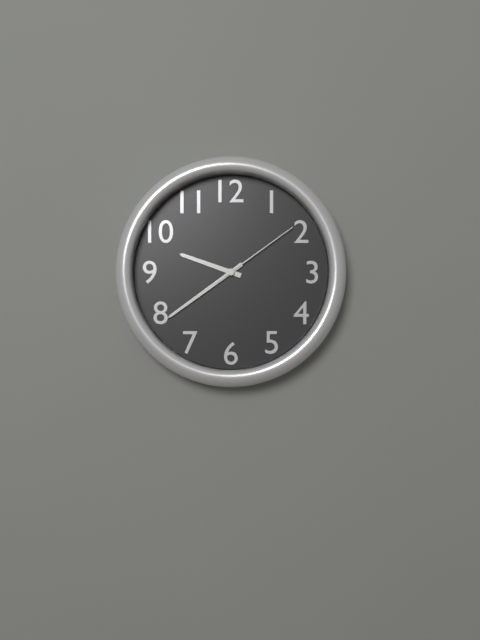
9h39m09s
